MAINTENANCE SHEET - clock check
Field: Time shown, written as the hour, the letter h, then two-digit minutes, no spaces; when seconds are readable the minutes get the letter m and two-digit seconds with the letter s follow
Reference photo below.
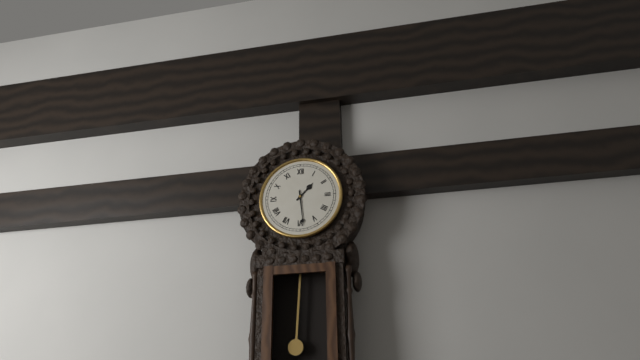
1h29
